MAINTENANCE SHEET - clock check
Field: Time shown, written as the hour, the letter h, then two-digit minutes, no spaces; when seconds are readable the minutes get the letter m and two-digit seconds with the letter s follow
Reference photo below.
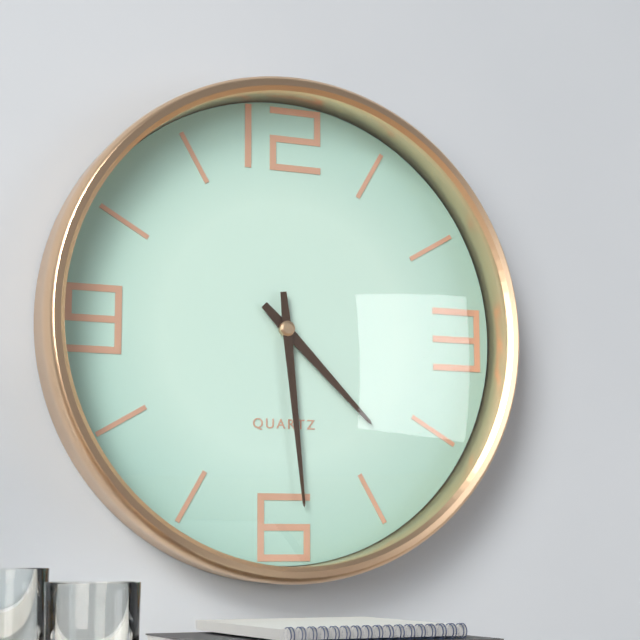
4h29
